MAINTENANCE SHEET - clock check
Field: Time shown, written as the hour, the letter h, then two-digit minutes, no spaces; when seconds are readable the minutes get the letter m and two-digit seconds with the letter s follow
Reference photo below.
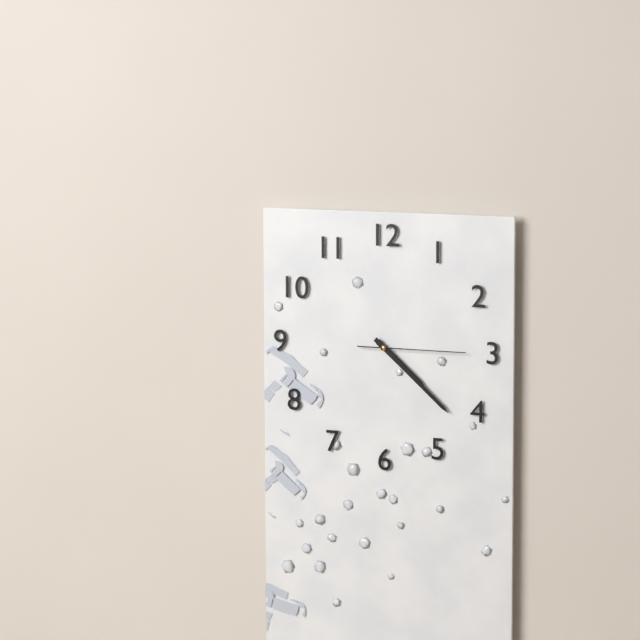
4h22m15s
